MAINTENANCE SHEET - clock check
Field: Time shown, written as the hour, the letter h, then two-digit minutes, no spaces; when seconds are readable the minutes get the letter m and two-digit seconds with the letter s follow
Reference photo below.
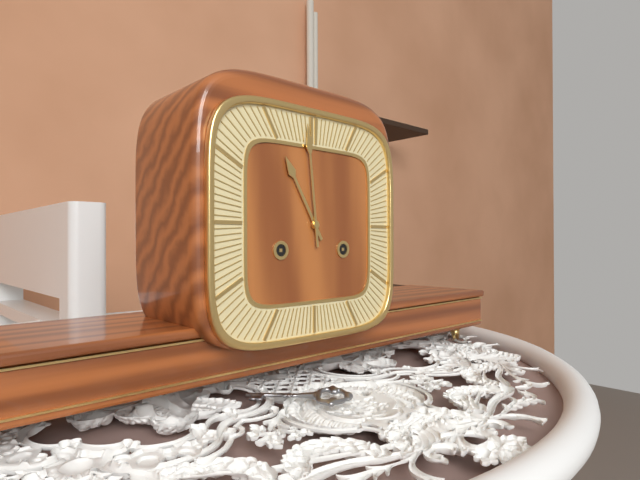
10h59
